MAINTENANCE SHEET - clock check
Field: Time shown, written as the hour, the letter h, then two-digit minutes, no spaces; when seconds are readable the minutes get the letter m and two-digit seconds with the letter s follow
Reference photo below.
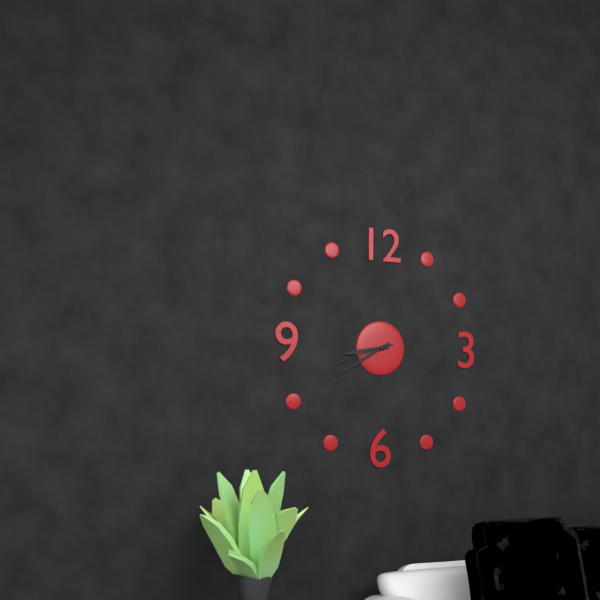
8h40m42s
